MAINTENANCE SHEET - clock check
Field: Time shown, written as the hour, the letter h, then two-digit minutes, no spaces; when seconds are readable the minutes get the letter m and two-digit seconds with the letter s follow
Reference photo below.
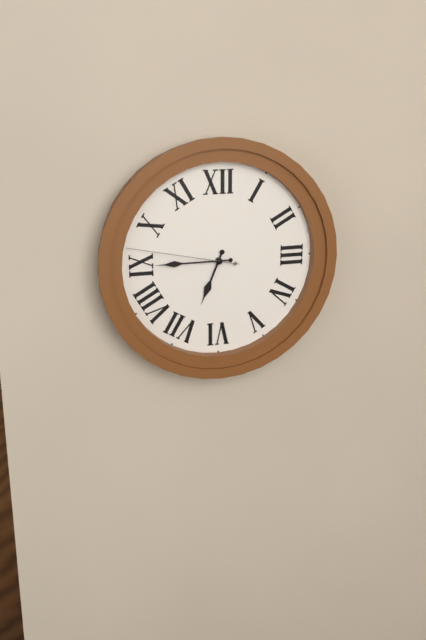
6h45m47s
